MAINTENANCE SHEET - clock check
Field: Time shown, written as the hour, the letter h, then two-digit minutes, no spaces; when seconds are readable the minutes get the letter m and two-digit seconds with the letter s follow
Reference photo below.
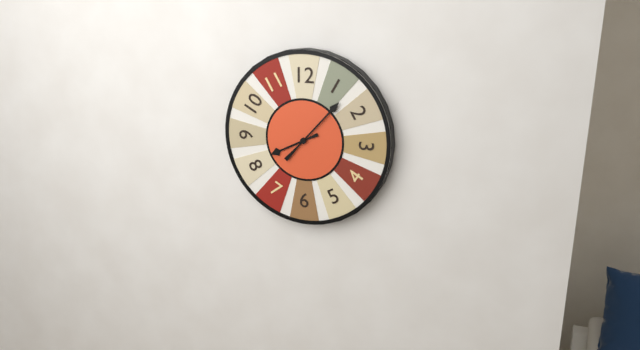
8h07
